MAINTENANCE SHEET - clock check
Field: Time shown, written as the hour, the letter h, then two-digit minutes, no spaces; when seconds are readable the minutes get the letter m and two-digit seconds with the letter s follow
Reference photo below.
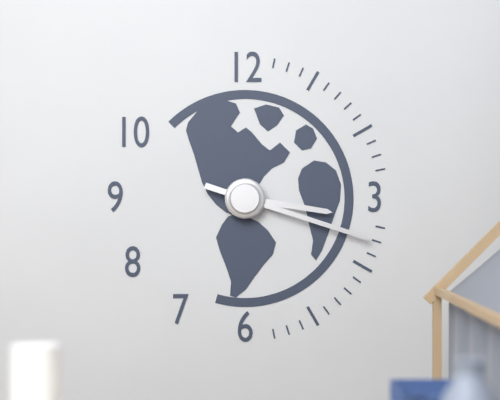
3h18
